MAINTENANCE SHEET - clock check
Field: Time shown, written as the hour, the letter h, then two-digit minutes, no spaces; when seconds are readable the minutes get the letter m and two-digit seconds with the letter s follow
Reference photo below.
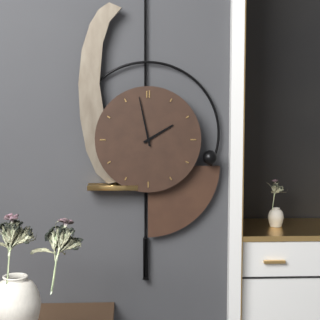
1h58
